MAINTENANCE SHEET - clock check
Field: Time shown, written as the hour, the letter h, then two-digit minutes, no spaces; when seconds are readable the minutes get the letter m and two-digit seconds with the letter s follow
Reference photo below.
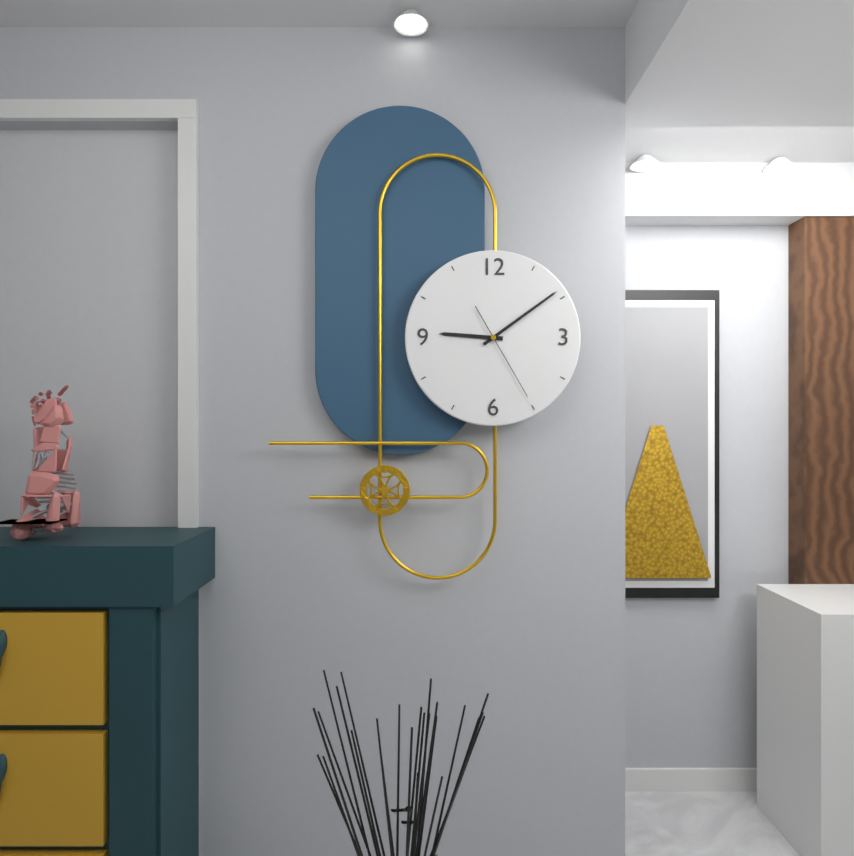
9h09m25s
